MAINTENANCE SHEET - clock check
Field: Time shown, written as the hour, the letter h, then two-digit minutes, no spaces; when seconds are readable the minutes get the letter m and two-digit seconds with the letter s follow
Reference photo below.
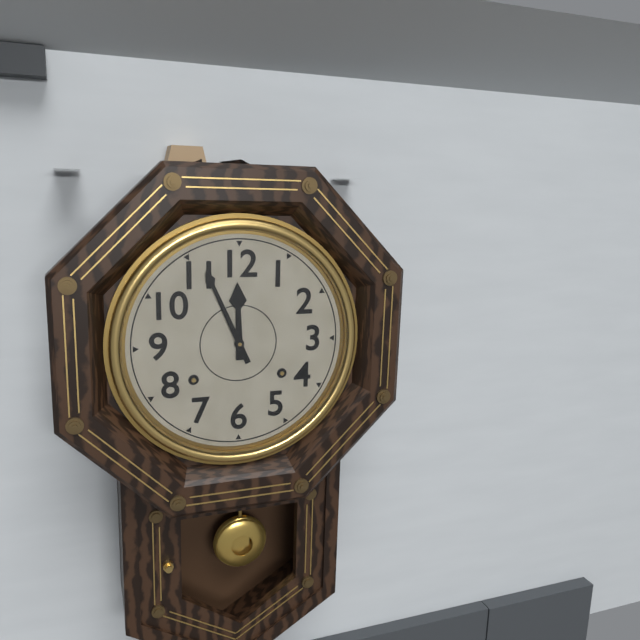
11h56
